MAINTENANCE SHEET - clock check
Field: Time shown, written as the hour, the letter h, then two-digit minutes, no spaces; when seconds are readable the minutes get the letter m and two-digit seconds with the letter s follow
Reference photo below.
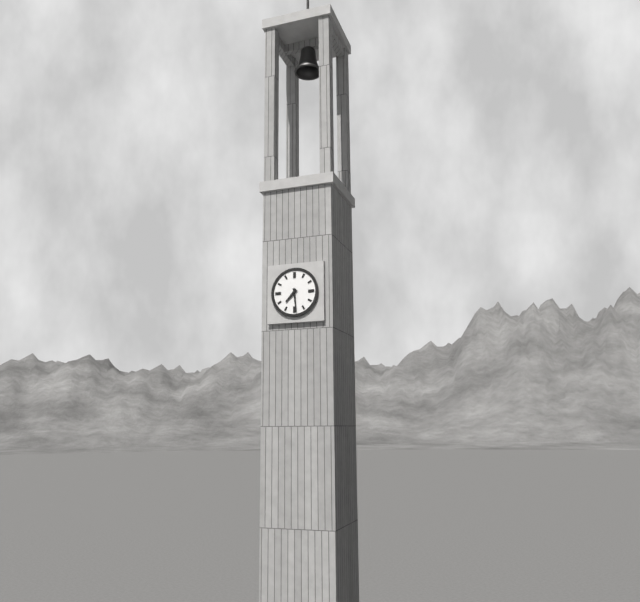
7h29
